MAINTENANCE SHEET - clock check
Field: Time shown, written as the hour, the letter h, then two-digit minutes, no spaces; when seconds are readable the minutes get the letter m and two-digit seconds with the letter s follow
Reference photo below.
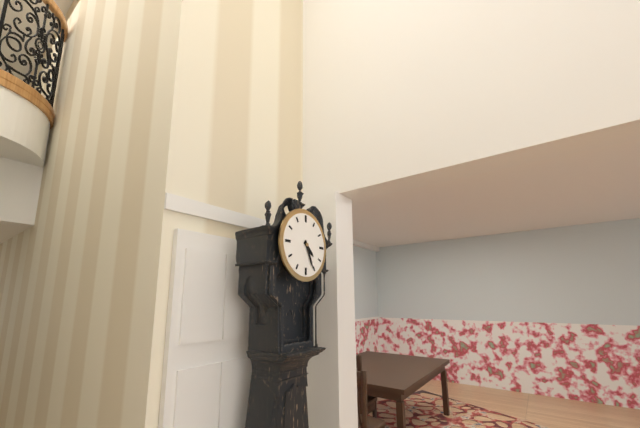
4h26
